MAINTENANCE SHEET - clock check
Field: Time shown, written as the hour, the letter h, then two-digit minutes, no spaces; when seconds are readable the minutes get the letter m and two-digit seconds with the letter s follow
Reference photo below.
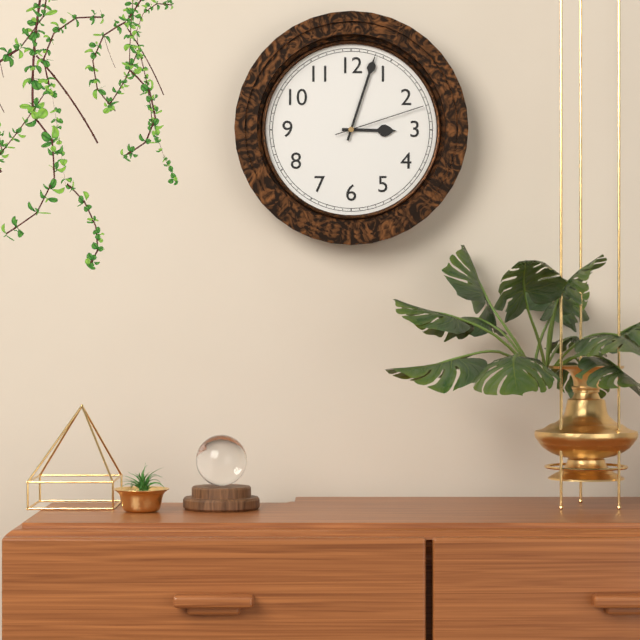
3h03m12s
